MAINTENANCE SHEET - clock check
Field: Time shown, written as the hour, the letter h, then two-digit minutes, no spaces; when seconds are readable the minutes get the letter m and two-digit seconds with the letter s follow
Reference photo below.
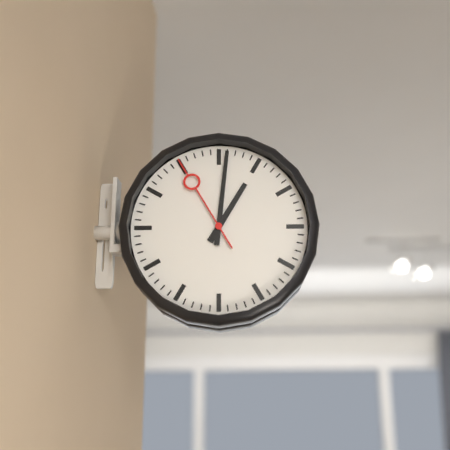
1h01m55s
